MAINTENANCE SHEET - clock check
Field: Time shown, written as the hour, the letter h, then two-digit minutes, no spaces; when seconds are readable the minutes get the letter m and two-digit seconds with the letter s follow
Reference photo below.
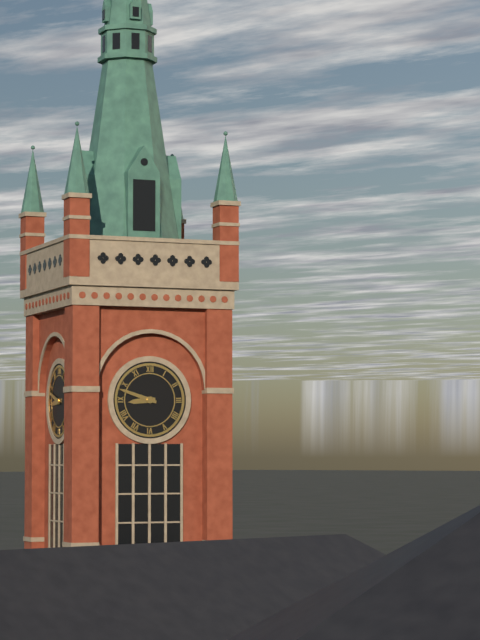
8h48
